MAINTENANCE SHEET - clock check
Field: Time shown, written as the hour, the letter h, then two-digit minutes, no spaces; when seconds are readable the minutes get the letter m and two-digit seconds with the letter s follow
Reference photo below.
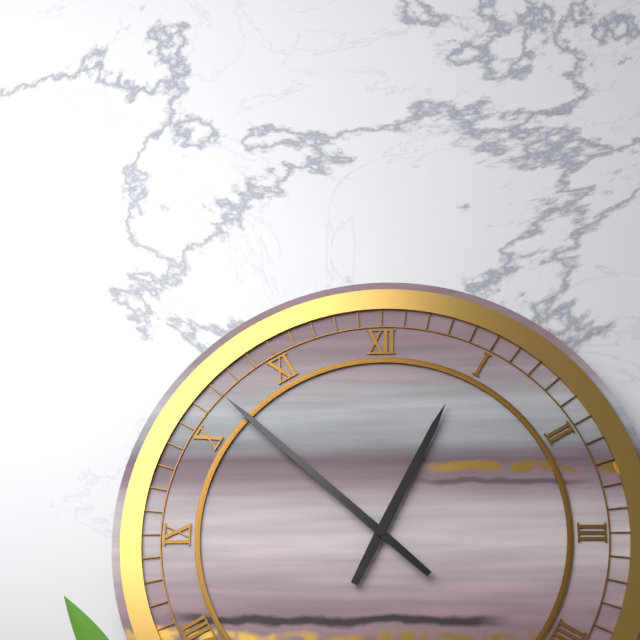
12h52
